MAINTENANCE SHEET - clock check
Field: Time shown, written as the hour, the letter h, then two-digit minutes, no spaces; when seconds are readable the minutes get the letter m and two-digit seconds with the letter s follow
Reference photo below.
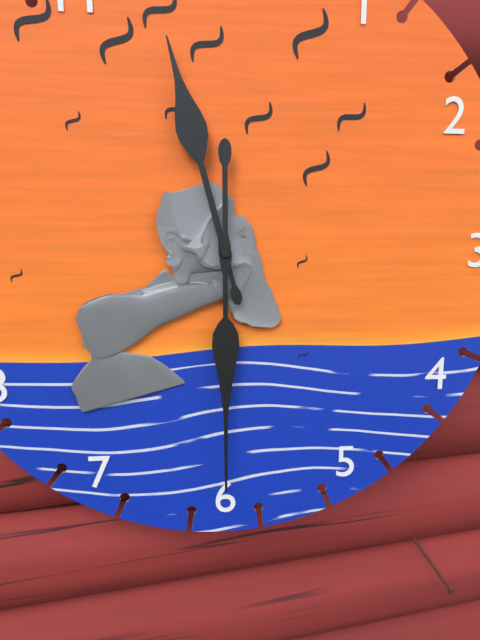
11h30
